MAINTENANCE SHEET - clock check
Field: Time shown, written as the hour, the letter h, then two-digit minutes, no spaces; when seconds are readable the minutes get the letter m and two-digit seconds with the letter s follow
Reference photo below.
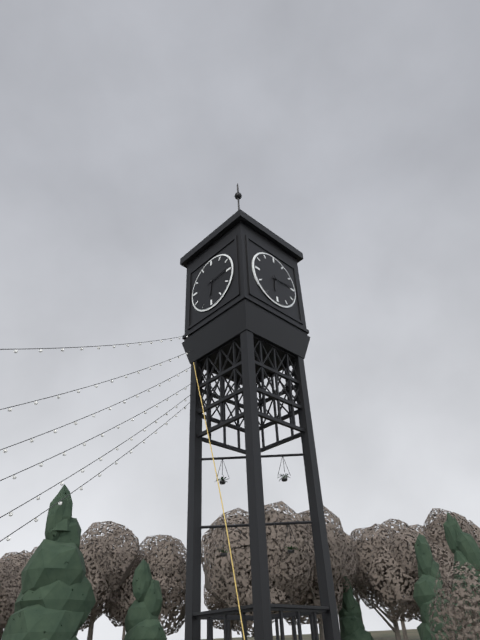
6h14
